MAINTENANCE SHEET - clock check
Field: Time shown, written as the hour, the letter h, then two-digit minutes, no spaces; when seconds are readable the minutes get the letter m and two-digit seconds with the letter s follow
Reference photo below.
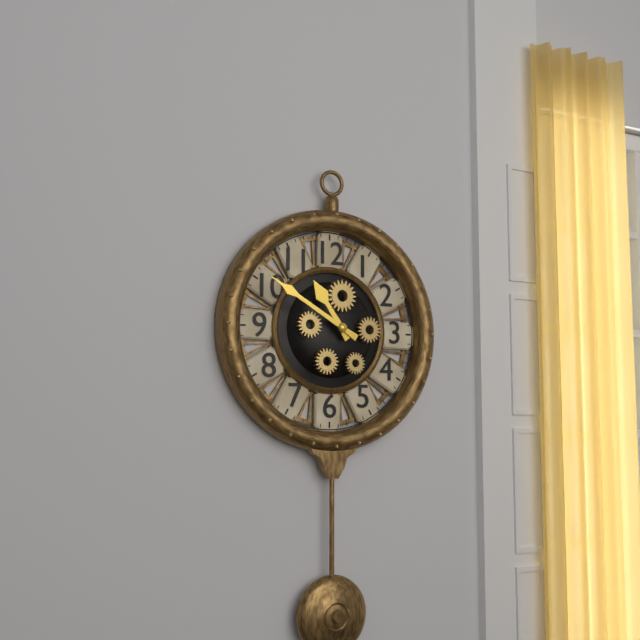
10h50
